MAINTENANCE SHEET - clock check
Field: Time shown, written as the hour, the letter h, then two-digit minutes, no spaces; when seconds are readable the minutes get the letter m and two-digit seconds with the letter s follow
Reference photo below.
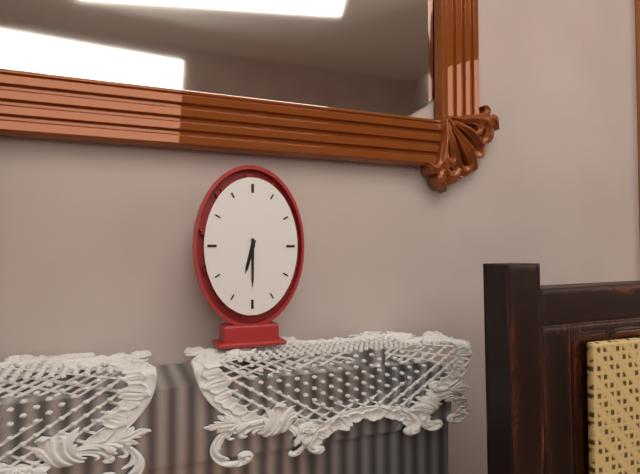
6h30
